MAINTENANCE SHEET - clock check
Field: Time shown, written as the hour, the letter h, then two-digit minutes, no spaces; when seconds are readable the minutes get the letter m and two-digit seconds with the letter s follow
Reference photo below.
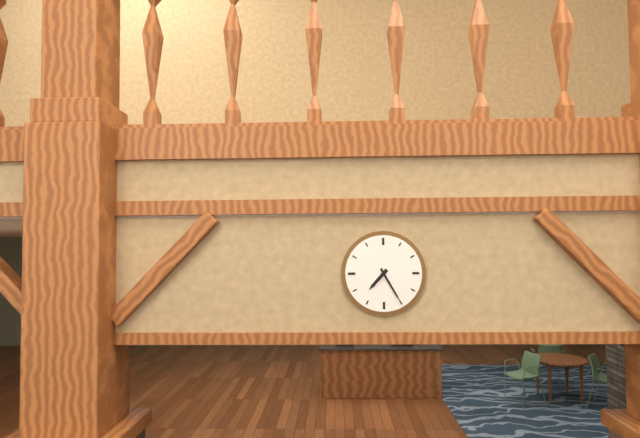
7h25
